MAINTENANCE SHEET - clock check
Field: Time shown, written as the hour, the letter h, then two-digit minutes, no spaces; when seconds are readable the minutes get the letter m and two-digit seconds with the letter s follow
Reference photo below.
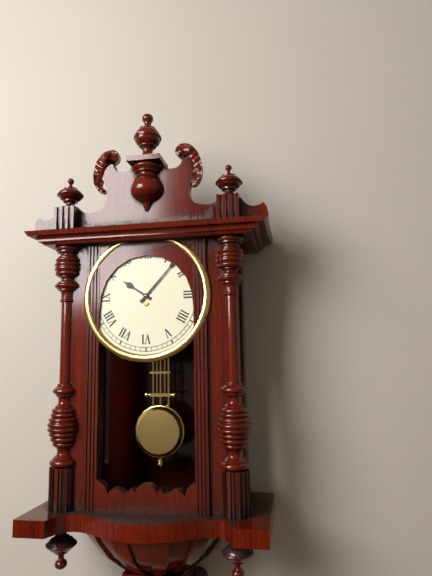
10h07
